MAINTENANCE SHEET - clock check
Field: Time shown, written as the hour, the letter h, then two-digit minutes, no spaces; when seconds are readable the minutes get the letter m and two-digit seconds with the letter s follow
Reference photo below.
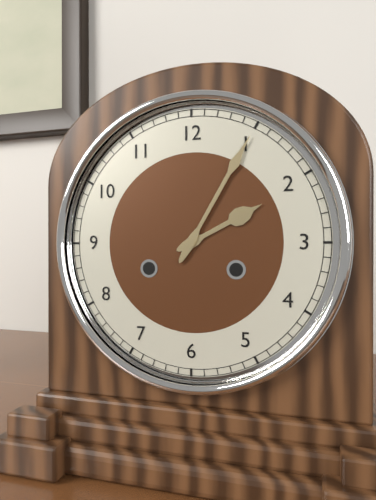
2h05
